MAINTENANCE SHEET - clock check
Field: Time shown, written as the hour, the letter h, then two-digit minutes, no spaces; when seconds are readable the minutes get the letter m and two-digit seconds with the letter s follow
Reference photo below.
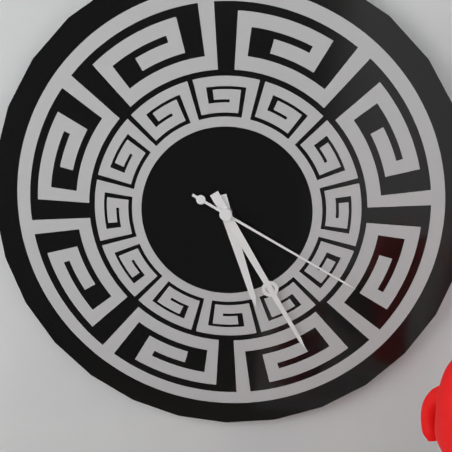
5h25m20s
